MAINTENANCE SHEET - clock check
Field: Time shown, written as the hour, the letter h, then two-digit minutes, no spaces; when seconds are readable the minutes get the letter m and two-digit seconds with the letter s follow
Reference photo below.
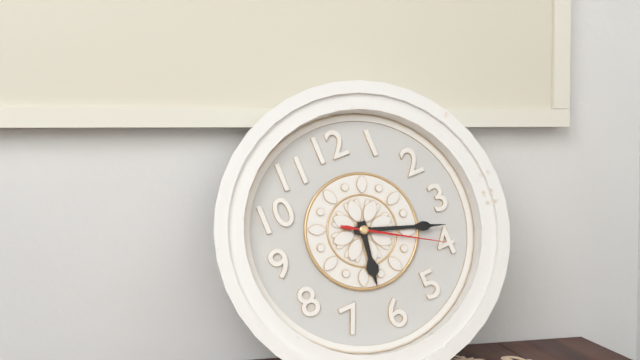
6h18m20s
